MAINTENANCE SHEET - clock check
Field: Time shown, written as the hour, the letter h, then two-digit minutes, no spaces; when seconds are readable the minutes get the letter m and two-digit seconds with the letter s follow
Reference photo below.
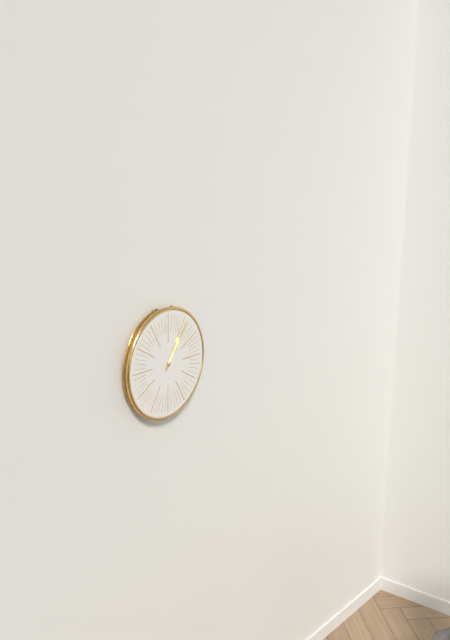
1h06
